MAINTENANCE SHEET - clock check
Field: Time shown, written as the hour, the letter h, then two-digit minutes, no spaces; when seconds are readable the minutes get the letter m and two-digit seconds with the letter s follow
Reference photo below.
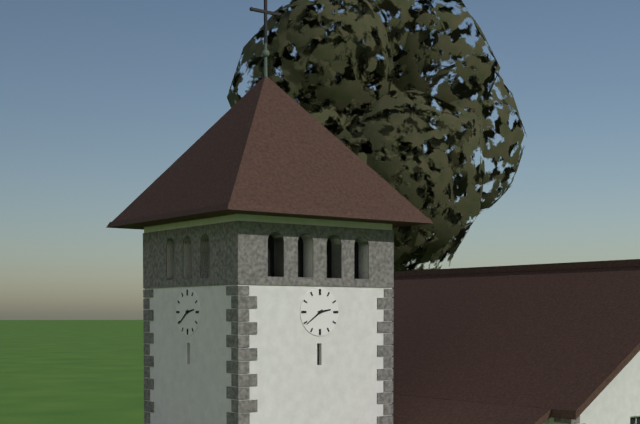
2h39
